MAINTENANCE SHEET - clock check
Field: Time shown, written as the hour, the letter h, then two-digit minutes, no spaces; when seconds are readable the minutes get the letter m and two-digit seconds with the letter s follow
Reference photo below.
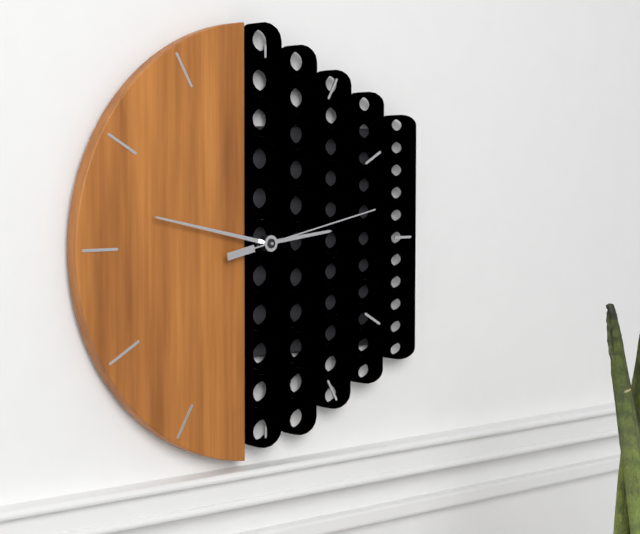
2h47m13s
